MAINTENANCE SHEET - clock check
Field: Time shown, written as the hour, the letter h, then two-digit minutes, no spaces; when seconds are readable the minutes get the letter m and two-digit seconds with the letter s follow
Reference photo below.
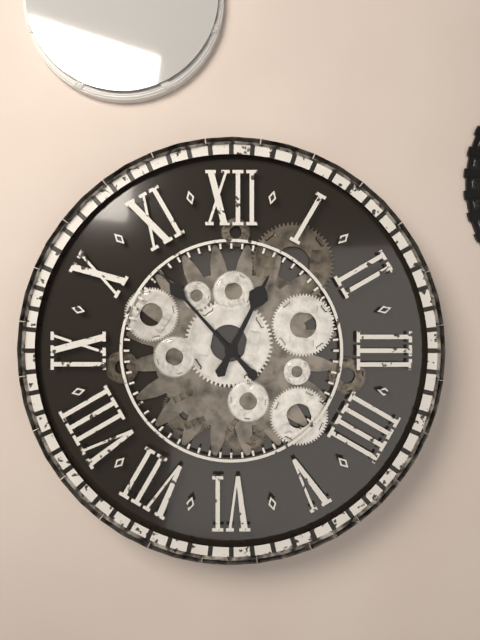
12h53
